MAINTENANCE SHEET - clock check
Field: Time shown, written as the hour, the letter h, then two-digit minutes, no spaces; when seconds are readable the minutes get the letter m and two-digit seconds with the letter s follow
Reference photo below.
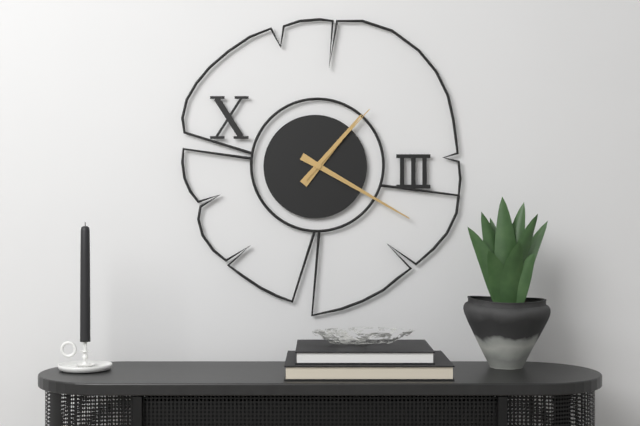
1h20m07s
